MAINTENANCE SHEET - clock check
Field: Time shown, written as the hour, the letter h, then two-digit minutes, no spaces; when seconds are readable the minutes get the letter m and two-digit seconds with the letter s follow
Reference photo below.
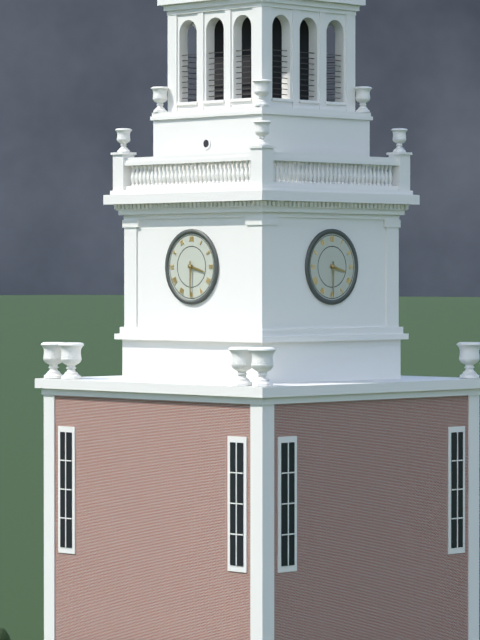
3h30
